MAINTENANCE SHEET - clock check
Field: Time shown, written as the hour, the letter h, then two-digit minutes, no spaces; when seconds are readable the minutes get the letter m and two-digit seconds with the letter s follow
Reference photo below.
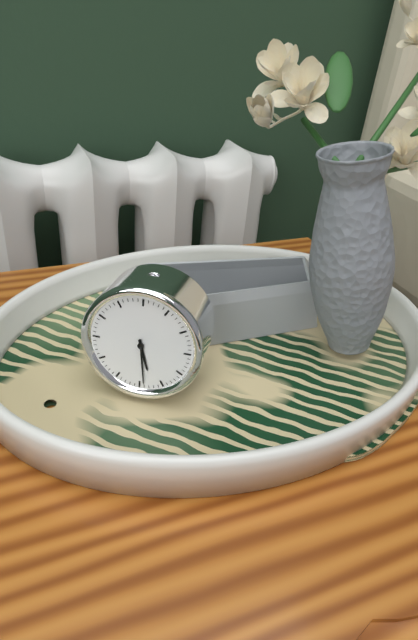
5h29
